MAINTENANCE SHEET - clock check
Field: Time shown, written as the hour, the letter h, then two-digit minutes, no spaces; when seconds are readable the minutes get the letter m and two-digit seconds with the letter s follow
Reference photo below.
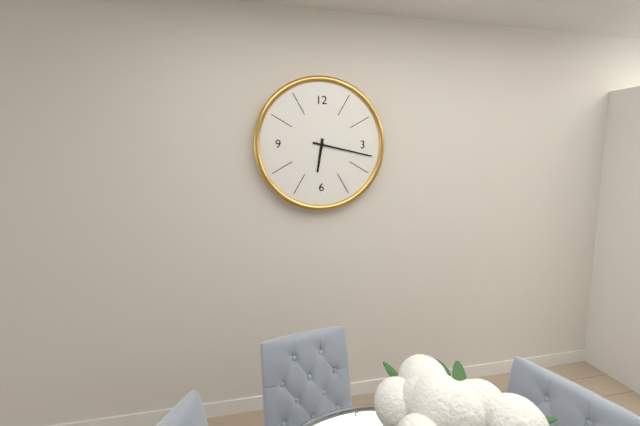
6h17
